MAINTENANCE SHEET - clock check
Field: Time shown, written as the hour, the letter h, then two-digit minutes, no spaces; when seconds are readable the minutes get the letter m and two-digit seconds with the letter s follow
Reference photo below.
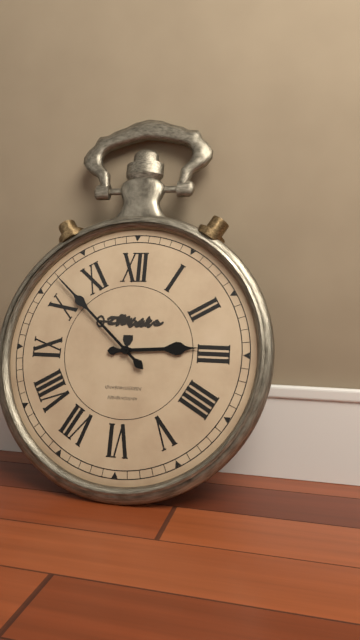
2h52
